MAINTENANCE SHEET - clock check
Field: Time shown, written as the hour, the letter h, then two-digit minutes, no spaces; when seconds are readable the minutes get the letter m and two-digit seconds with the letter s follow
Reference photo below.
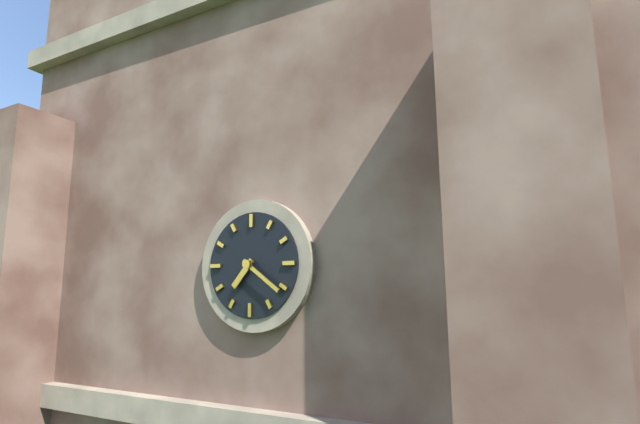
7h21
